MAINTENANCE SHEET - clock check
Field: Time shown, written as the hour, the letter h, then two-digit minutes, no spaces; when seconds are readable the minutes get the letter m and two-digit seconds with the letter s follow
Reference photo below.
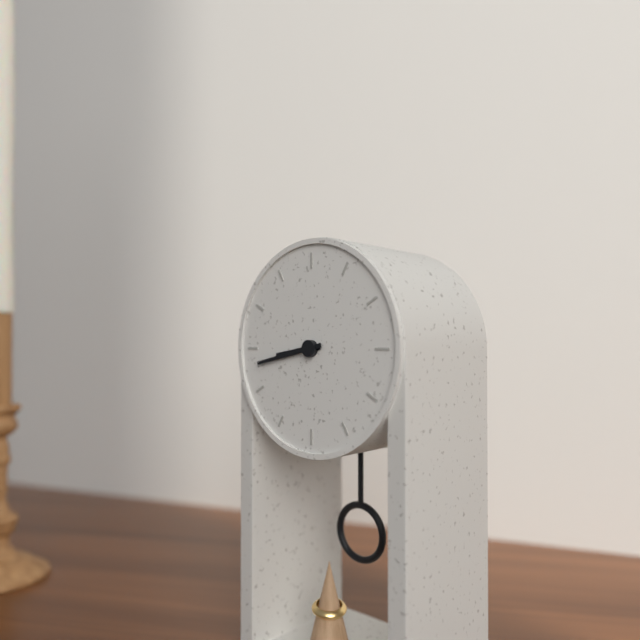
8h43
